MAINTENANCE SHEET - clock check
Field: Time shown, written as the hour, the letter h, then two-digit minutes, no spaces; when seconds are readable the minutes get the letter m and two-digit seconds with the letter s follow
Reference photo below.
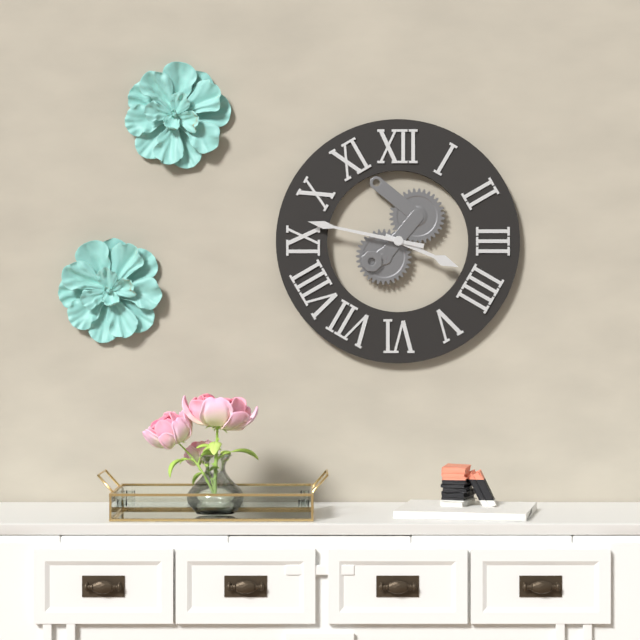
3h47
